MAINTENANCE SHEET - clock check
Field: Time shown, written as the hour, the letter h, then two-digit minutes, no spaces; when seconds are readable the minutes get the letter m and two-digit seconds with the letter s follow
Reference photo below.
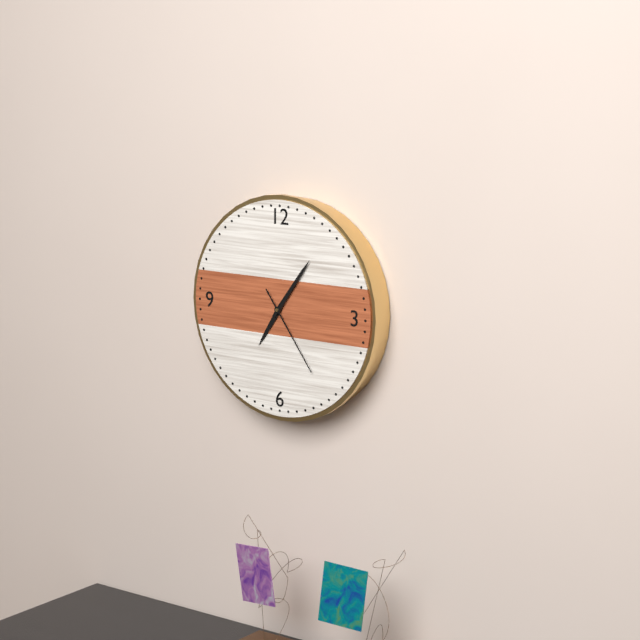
7h06m24s
